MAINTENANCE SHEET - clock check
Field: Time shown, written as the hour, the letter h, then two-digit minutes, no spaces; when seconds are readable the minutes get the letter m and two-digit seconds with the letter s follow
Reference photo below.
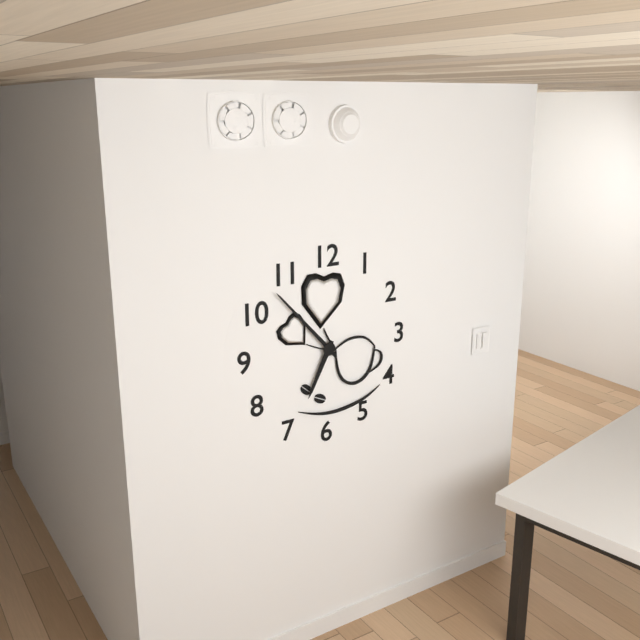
6h53
